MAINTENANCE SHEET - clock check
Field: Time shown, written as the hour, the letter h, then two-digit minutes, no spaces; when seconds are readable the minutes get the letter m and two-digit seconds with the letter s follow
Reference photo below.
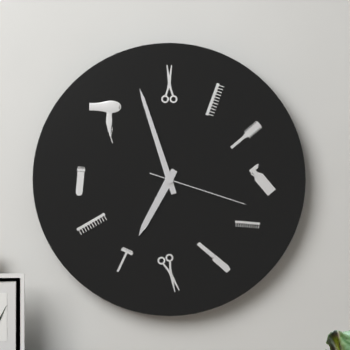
6h57m18s
